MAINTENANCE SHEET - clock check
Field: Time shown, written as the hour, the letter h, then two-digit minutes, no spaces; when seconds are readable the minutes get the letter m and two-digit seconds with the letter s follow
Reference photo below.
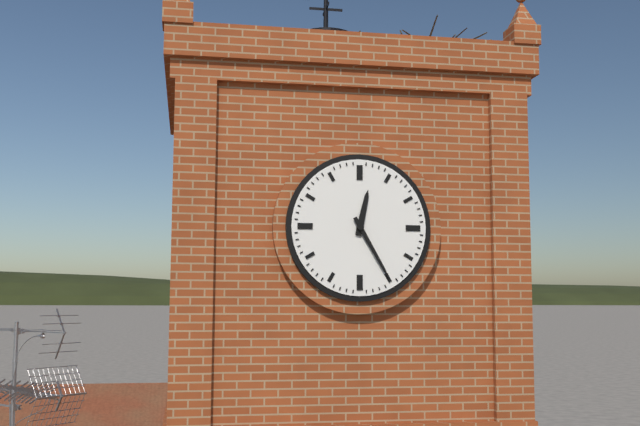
12h25
